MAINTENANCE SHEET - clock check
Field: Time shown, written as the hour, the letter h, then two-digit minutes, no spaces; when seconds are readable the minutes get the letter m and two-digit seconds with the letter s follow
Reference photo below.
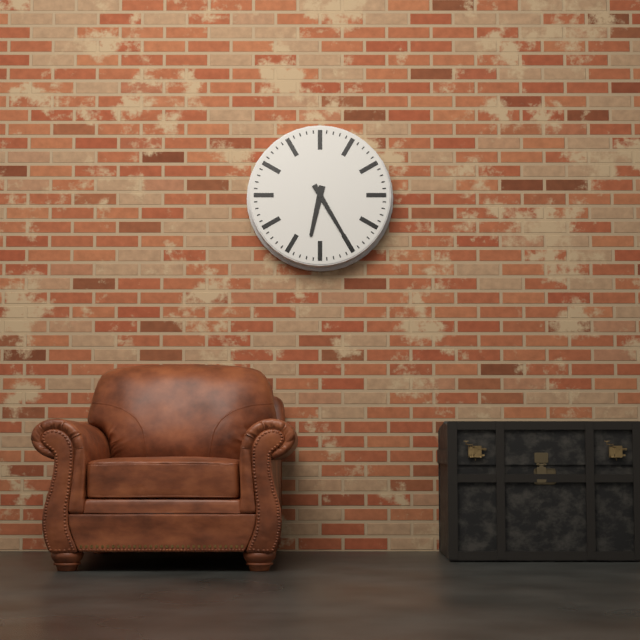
6h25
